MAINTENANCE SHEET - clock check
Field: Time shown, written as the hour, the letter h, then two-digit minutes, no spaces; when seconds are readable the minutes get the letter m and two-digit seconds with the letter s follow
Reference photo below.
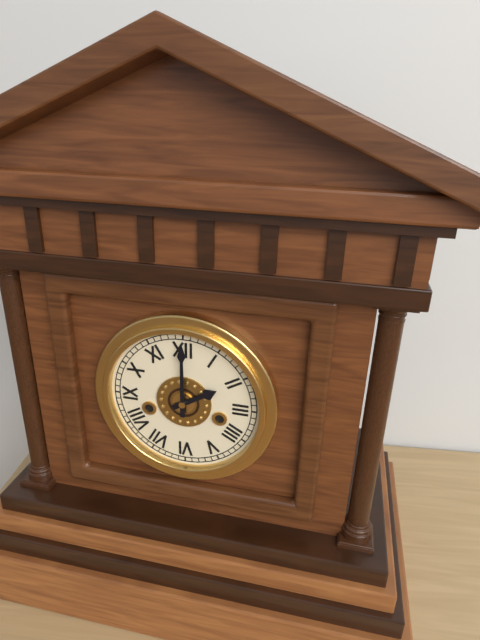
2h00
